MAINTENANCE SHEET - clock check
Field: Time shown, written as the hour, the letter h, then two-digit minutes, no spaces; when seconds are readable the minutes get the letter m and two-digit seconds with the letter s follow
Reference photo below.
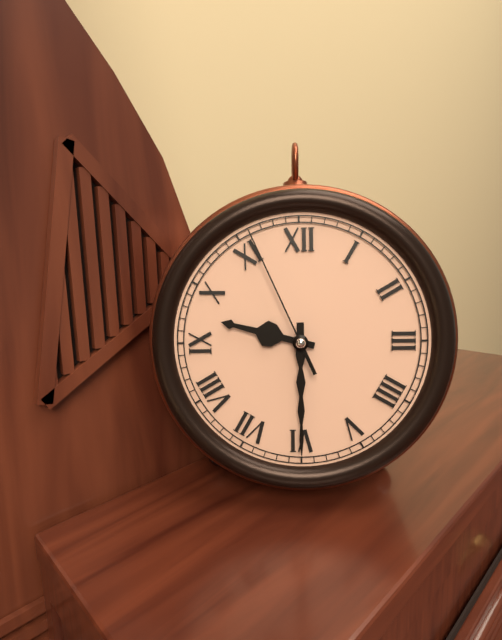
9h30m56s
